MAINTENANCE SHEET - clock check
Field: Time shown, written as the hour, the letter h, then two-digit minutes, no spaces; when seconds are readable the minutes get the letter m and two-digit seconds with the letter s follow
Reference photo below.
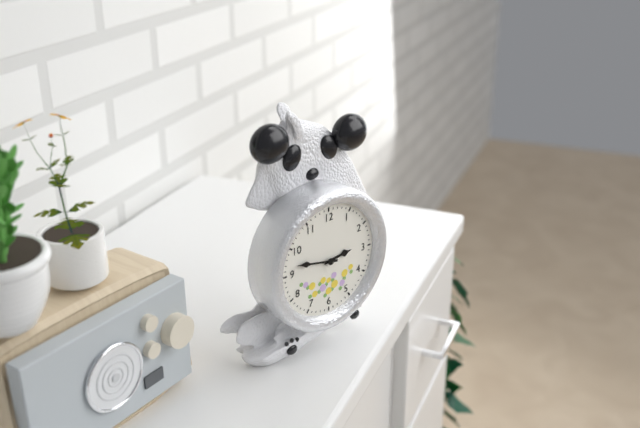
2h47
